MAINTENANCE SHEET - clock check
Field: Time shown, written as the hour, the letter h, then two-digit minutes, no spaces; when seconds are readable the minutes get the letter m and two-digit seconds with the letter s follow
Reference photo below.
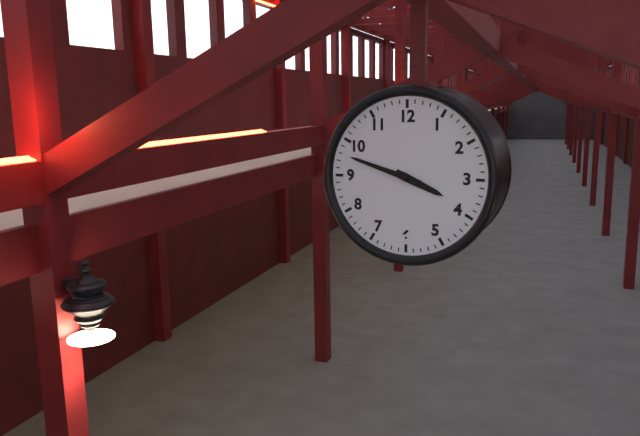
3h48
